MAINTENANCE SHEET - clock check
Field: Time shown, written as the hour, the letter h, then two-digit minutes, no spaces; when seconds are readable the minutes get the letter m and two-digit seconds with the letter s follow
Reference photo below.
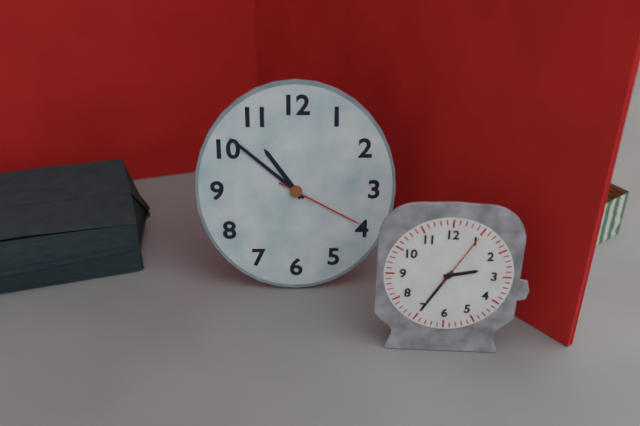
10h52m20s
